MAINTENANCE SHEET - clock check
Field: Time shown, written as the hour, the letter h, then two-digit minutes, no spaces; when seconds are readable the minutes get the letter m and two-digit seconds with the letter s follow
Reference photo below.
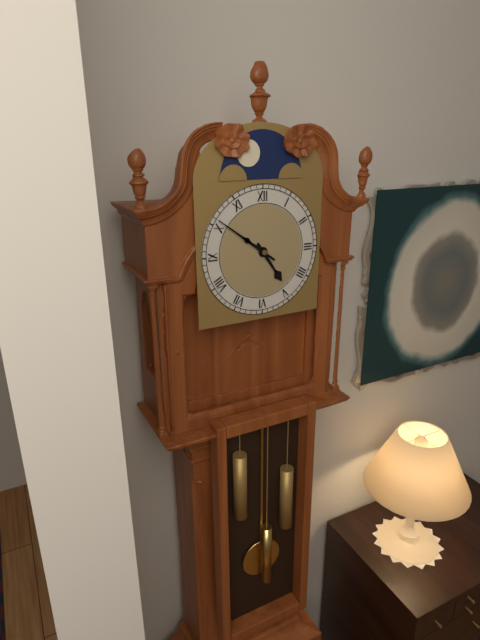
4h51
